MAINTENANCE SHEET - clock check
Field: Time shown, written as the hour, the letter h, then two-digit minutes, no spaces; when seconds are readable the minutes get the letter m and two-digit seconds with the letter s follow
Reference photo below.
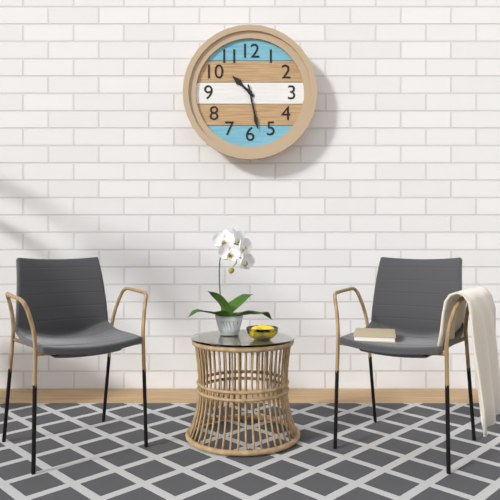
10h28
